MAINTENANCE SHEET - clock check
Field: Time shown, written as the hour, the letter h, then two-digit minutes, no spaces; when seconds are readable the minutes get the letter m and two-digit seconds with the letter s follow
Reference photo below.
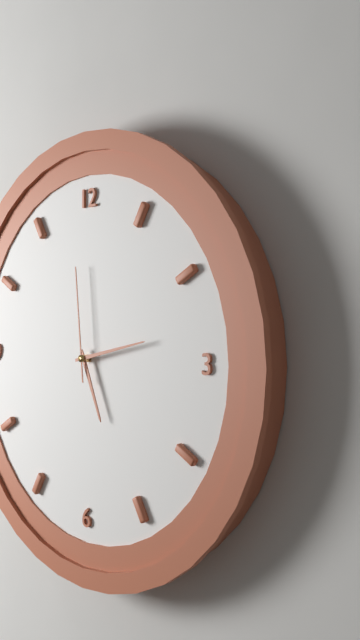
5h13m59s
